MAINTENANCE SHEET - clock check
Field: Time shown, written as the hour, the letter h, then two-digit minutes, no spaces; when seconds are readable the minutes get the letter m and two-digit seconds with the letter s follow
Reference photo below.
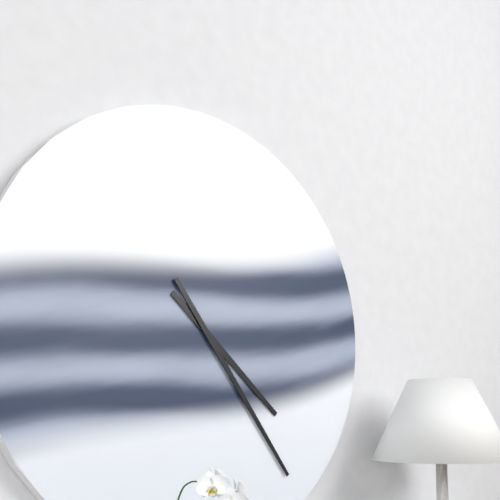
4h24
